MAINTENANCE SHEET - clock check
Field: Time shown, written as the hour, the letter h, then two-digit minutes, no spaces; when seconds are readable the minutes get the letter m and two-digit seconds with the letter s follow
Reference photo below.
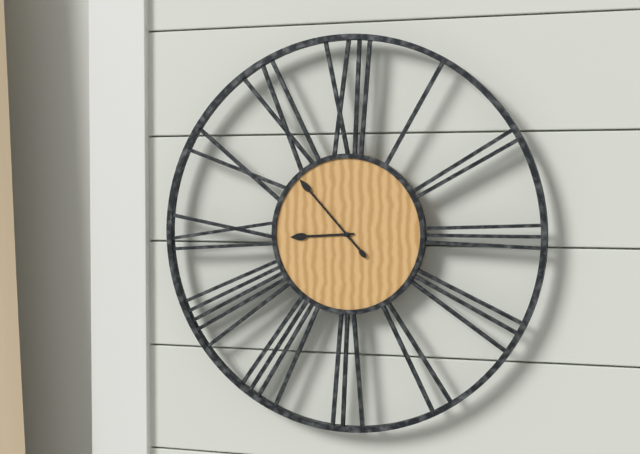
8h53
